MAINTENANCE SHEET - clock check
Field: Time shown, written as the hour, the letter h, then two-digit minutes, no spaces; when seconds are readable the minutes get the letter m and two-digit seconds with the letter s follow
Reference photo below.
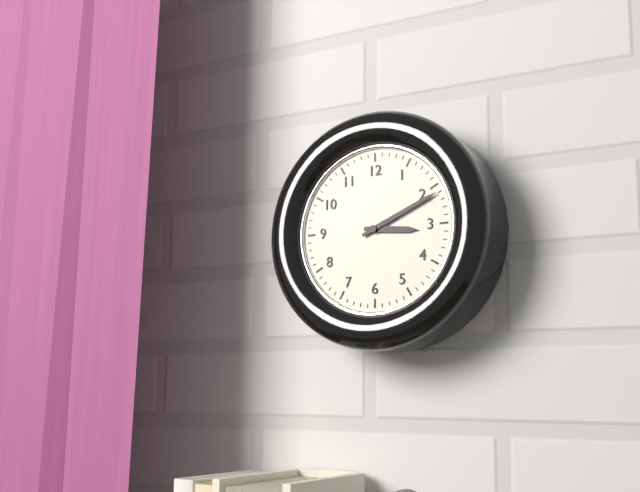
3h11
